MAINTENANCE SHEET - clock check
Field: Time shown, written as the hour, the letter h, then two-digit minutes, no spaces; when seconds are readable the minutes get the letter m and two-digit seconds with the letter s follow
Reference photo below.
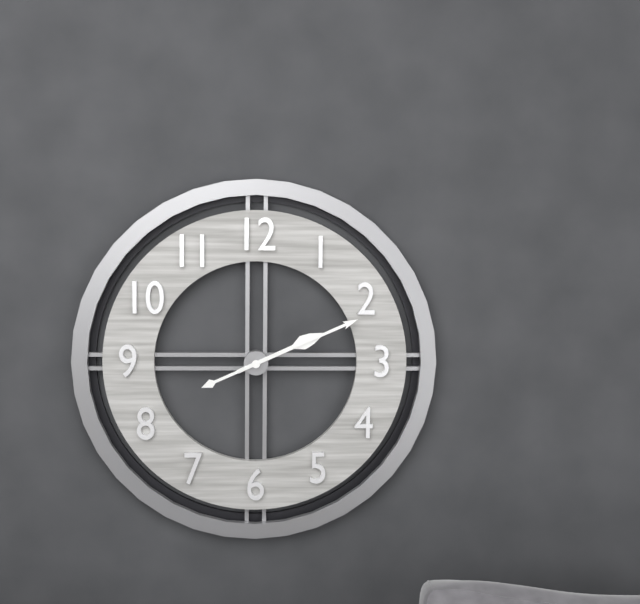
2h11
